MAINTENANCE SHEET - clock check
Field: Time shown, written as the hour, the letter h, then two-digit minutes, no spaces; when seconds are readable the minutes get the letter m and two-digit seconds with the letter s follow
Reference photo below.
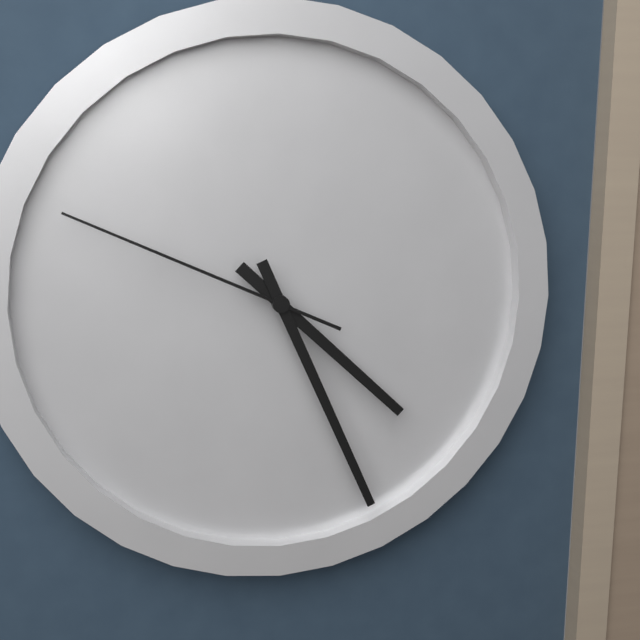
4h26m49s
